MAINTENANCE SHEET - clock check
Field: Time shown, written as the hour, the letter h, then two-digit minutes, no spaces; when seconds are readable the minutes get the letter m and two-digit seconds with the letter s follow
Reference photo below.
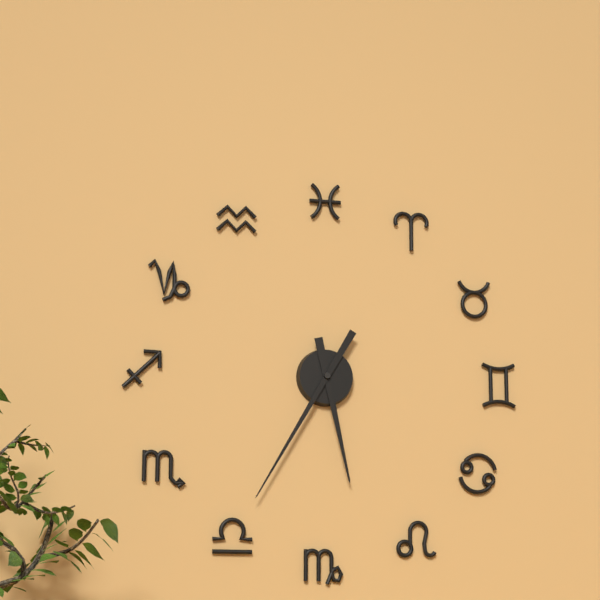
5h35
